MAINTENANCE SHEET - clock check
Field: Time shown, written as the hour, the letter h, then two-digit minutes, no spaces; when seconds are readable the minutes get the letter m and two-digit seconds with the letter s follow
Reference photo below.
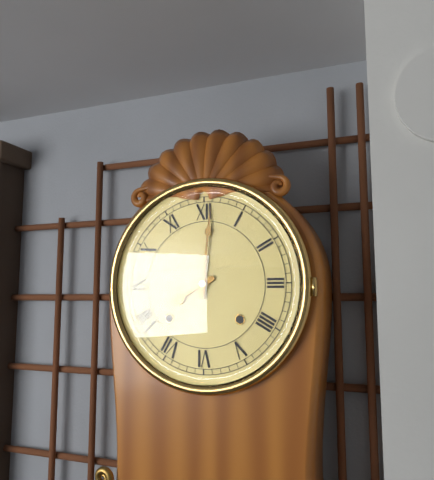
8h01
